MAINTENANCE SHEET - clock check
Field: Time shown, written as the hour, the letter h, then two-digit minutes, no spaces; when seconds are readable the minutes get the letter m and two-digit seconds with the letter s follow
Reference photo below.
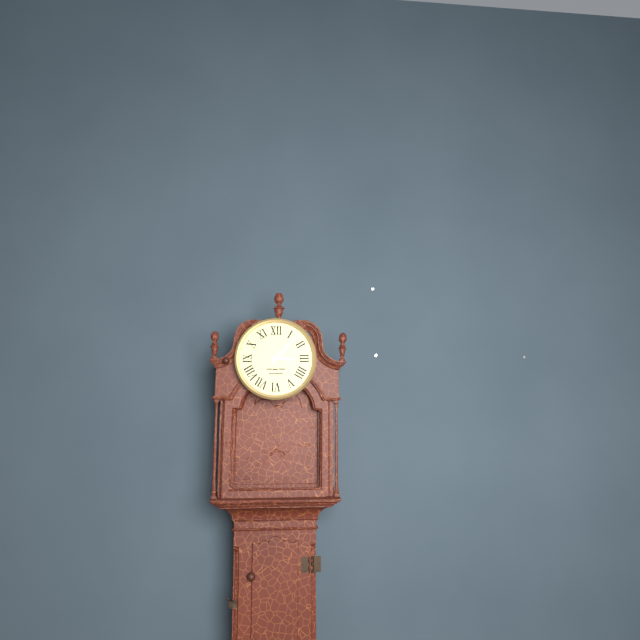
3h07
